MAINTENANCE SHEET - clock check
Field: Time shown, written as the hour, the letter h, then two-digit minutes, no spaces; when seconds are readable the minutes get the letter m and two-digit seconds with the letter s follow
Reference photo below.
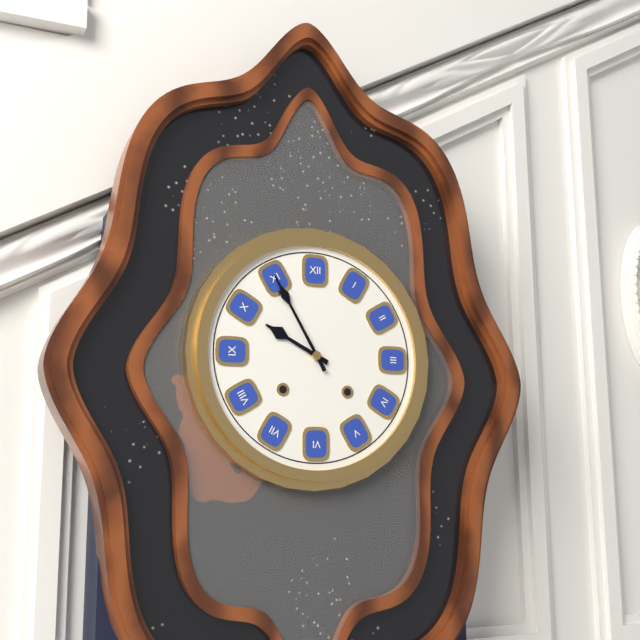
9h55
